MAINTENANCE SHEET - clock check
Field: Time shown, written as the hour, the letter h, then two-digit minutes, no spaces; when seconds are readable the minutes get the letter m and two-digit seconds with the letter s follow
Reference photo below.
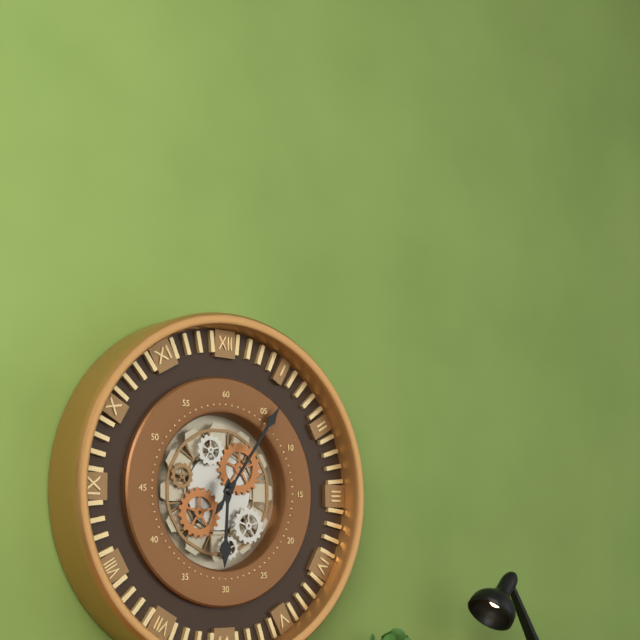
6h06
